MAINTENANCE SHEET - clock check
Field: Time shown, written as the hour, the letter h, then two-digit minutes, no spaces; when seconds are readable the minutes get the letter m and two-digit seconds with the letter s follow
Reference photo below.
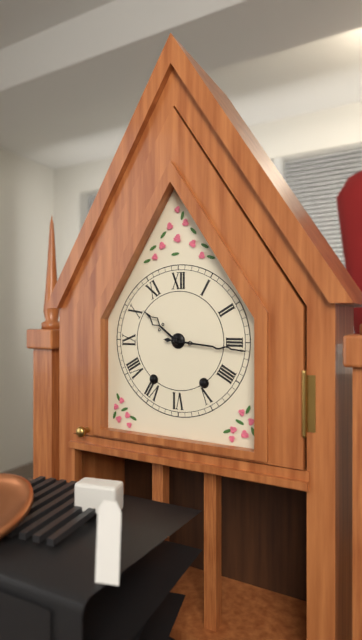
10h16
